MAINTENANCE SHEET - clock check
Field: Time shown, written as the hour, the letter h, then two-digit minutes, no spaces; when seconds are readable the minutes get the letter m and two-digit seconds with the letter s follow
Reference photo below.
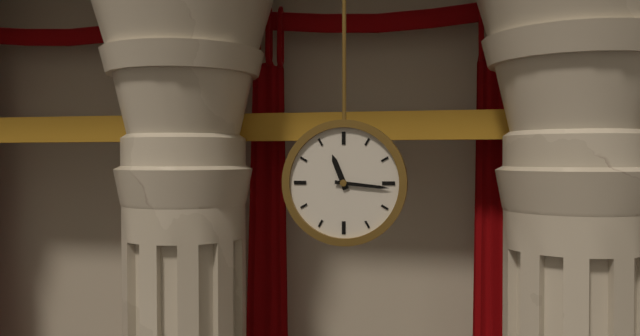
11h16
